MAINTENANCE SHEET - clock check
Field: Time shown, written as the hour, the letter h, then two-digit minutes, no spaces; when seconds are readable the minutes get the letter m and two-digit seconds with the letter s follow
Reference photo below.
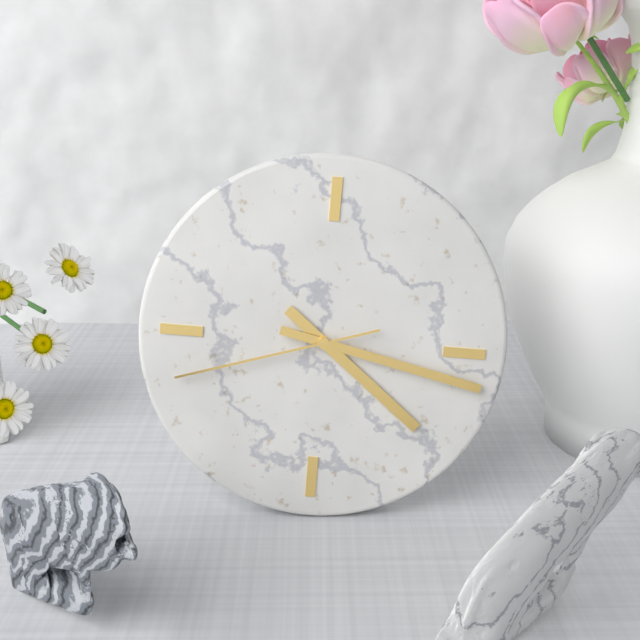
4h17m42s
